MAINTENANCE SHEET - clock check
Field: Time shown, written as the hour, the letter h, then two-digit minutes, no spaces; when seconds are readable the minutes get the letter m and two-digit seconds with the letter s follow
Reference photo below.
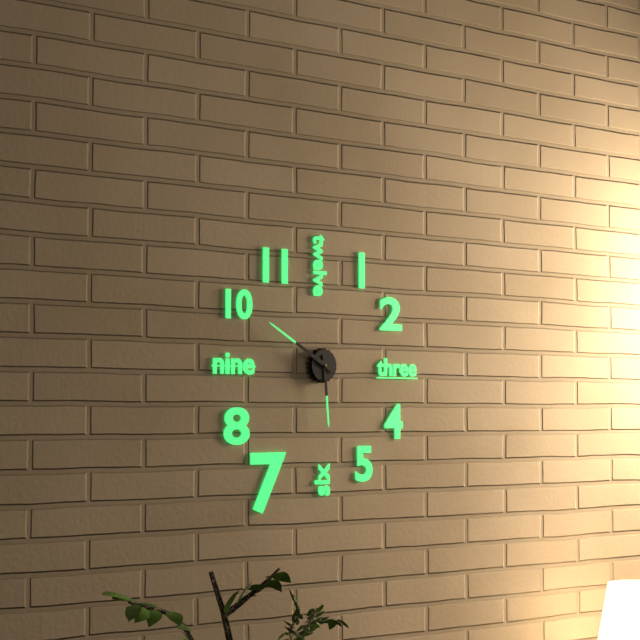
5h50
